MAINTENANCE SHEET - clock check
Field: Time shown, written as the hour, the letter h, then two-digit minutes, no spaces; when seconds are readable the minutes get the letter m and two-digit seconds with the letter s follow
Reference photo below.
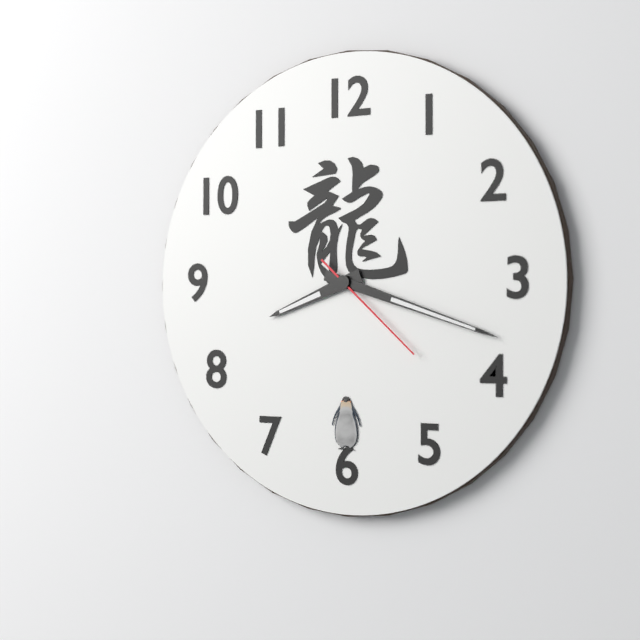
8h18m22s
